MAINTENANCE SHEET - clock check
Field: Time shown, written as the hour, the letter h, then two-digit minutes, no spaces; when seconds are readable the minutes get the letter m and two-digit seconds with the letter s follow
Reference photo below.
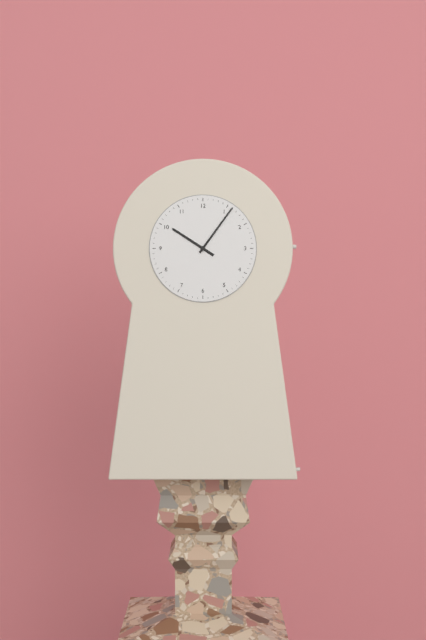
10h06
